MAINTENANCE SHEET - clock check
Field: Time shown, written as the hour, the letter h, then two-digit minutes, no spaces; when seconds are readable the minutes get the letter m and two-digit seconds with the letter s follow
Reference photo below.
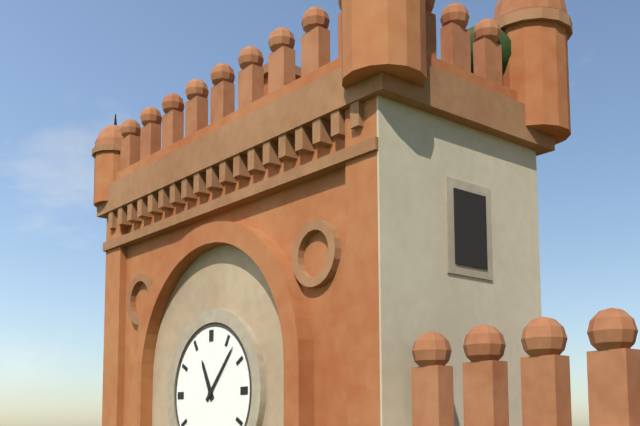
11h07
